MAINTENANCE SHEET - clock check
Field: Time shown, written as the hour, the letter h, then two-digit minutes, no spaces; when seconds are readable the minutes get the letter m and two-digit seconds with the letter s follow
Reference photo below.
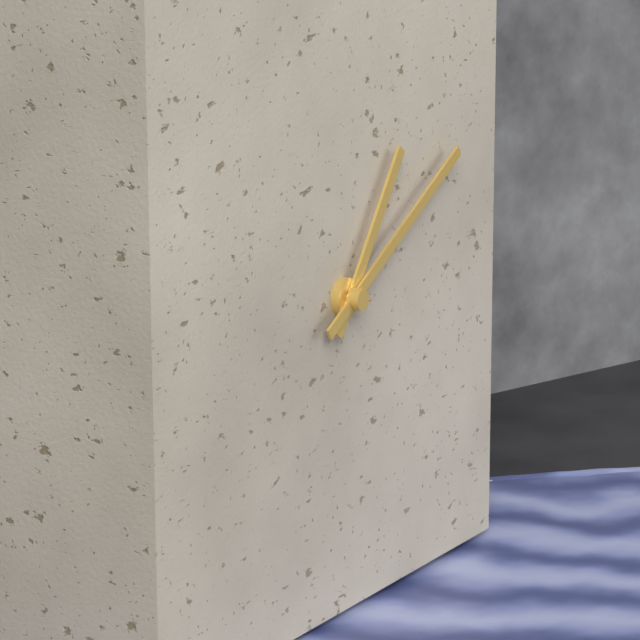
1h10
